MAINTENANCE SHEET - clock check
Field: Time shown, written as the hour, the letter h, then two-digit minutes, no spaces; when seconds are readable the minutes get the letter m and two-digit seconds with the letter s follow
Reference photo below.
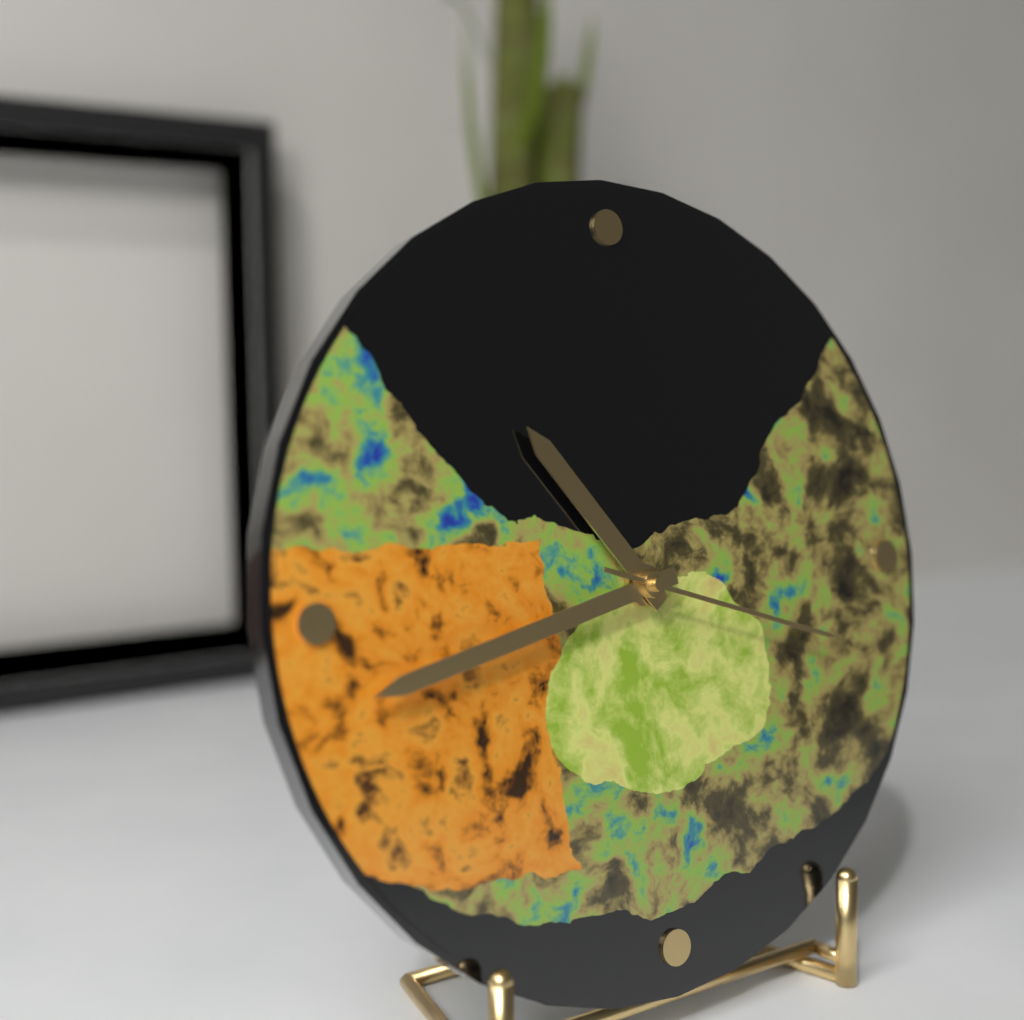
10h43m18s
